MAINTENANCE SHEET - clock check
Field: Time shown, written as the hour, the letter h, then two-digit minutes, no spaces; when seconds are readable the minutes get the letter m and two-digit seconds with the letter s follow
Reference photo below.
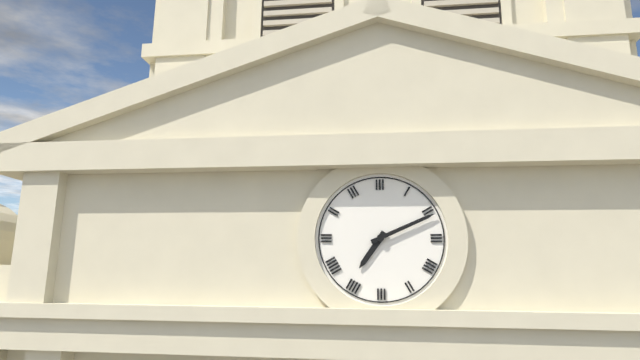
7h11
